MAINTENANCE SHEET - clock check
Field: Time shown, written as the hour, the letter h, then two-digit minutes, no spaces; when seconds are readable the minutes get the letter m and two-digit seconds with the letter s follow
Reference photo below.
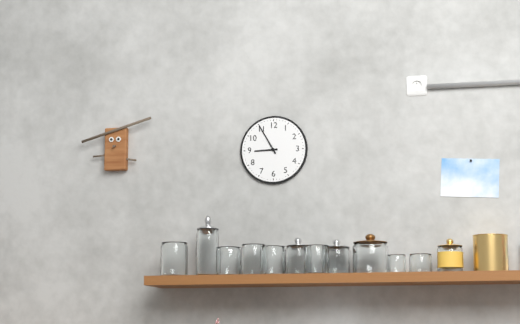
8h55
